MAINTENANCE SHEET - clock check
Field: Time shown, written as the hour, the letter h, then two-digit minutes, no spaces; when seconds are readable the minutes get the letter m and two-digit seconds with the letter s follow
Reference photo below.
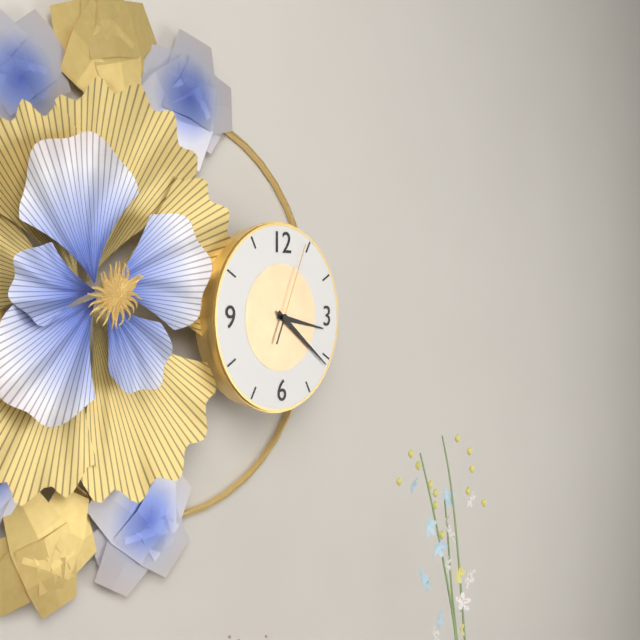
3h21m04s
